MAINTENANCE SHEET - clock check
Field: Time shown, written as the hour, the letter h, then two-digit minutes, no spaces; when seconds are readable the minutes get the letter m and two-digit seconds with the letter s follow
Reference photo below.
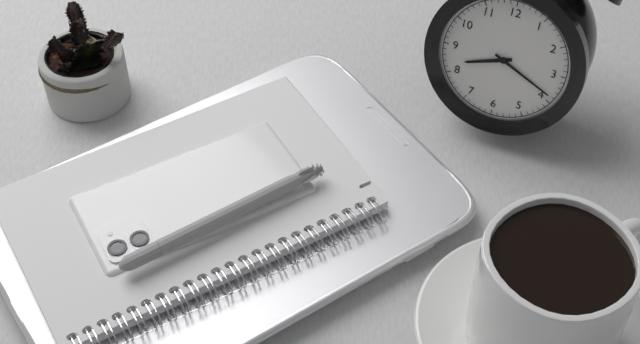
8h19
